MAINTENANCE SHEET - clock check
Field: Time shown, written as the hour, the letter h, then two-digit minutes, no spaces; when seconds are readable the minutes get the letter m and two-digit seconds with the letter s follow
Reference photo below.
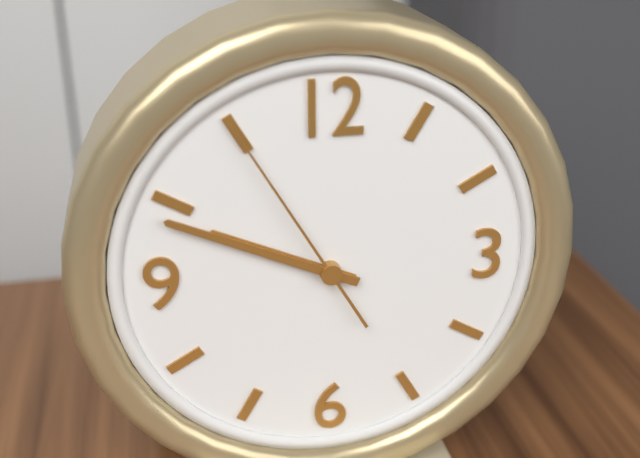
9h49m55s
